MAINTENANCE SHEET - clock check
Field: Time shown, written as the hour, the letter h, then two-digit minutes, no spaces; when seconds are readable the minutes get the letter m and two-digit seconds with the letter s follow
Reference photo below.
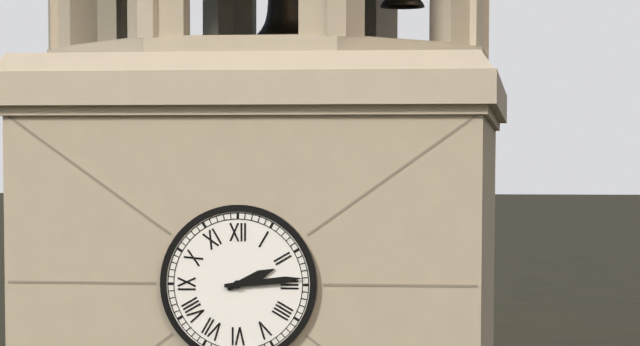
2h14
